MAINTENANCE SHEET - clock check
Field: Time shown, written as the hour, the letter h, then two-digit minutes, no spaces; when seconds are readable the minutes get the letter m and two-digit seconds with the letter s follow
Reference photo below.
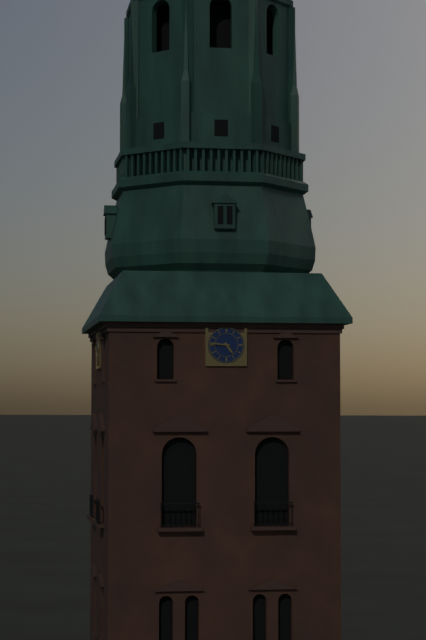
4h46
